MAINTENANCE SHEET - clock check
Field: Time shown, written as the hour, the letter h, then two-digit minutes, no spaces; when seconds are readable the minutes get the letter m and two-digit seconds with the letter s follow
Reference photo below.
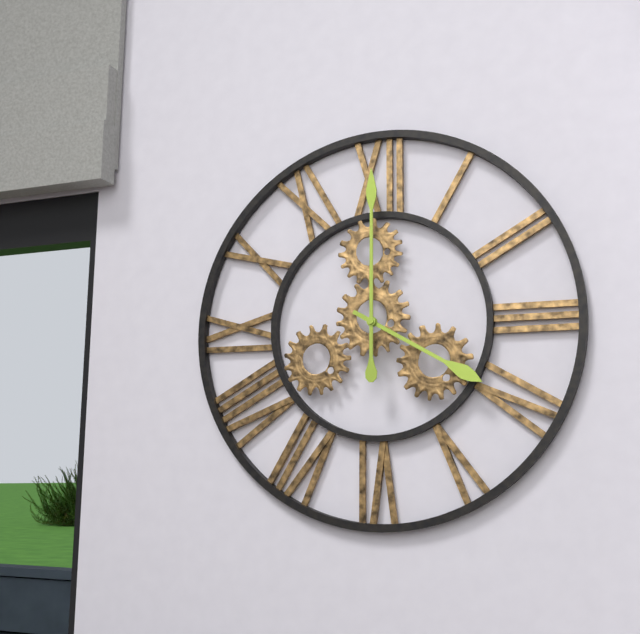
4h00
